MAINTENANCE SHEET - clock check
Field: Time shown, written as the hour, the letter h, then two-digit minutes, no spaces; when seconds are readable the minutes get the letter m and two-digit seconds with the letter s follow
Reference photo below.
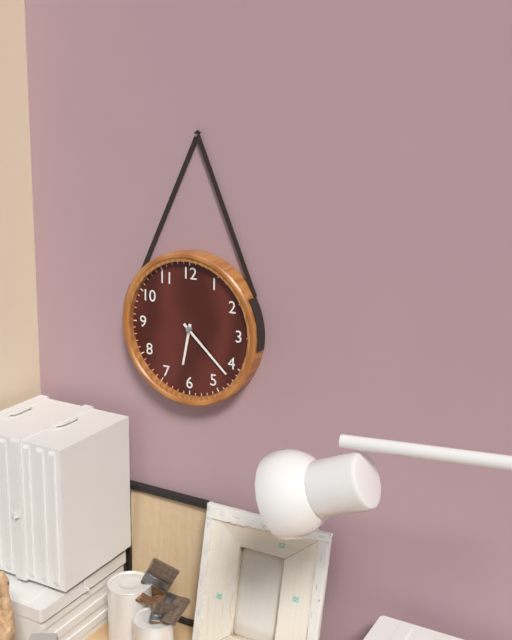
6h22
